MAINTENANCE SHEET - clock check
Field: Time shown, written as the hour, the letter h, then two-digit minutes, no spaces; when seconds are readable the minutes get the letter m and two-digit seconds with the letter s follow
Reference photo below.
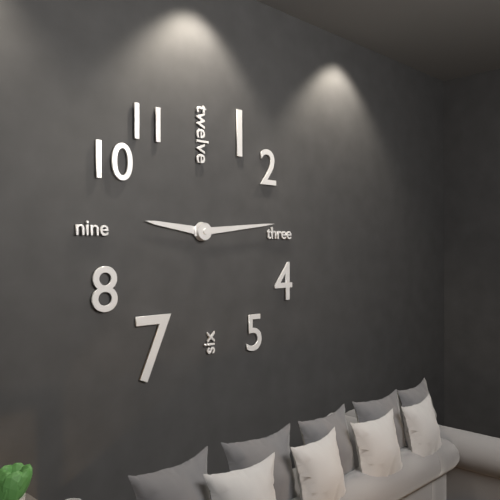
9h14
